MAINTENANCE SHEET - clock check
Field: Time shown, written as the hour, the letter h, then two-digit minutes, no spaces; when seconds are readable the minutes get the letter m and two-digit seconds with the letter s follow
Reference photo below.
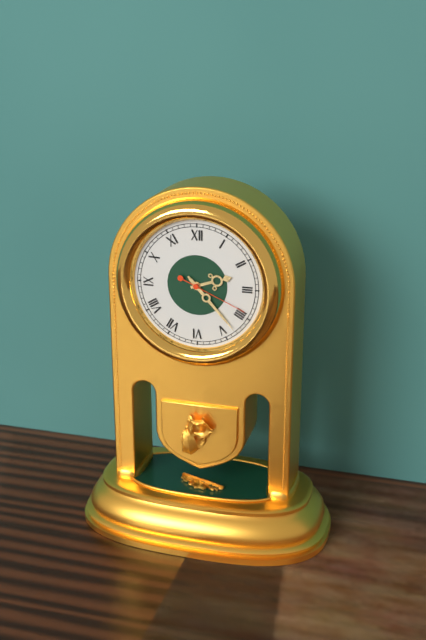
2h23m19s
